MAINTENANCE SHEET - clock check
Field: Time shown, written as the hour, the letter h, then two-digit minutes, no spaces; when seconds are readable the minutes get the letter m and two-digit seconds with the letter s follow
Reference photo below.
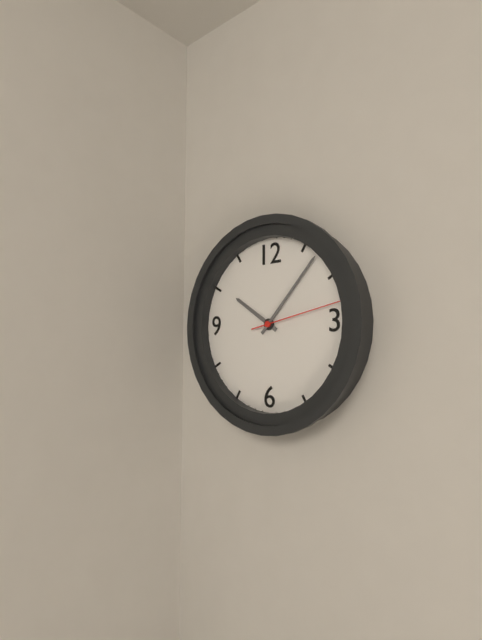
10h07m13s
